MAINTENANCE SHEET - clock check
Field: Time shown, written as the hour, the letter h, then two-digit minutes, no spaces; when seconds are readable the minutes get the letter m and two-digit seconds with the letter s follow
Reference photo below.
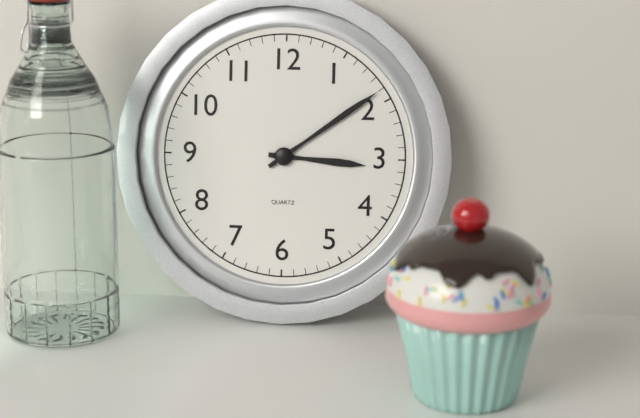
3h09
